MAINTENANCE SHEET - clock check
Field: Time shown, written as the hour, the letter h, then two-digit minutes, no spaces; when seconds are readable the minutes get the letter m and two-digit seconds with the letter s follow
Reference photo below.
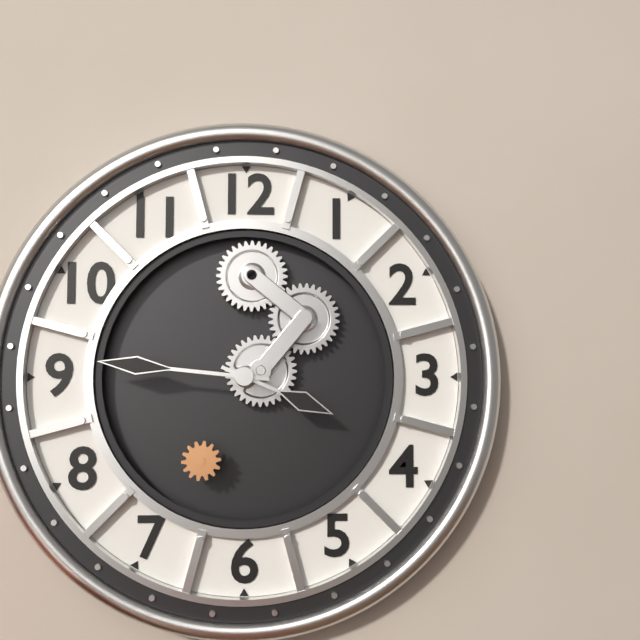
3h46
